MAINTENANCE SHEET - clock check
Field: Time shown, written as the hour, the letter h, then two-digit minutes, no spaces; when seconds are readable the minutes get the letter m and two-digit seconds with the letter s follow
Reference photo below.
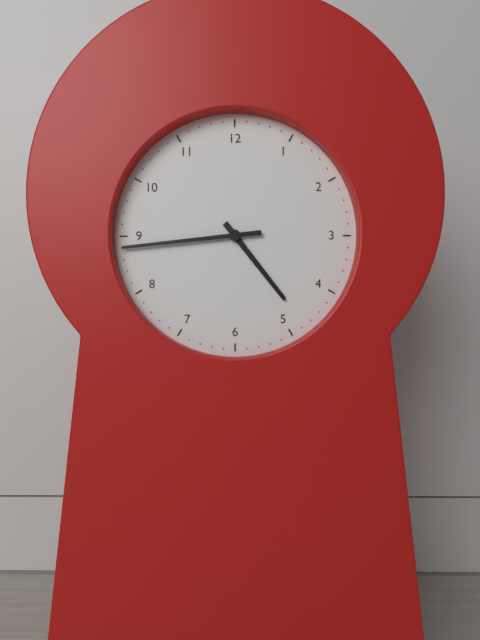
4h44
